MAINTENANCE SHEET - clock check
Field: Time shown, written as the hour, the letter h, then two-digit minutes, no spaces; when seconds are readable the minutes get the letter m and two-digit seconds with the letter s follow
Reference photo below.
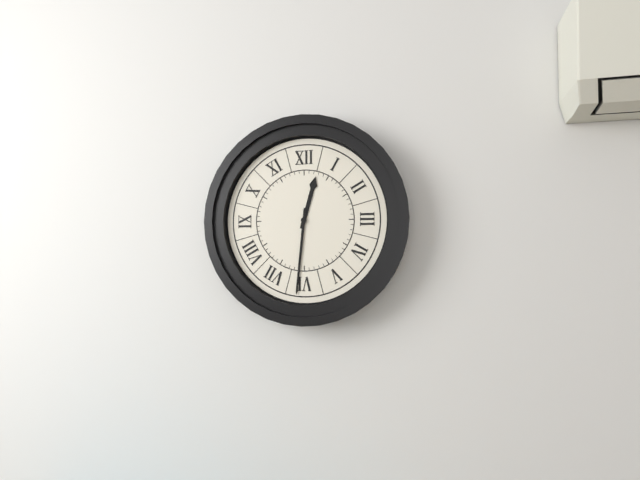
12h31
